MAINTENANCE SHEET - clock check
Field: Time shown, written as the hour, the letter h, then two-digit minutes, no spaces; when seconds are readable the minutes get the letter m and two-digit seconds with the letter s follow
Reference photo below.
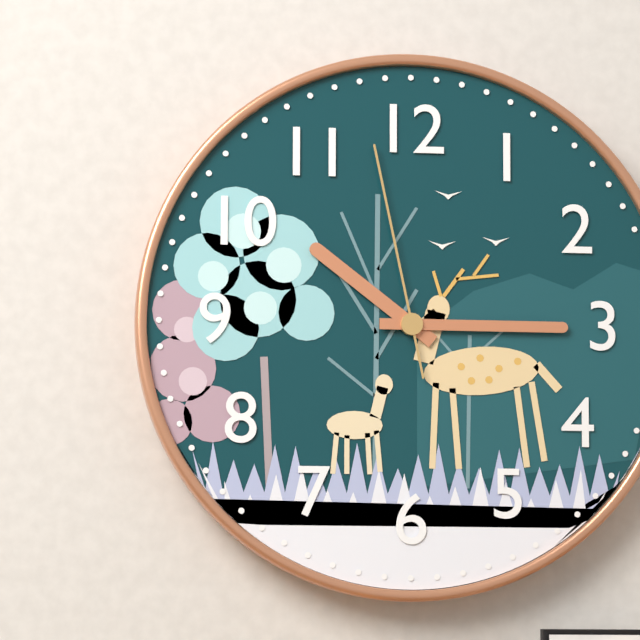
10h15m58s
